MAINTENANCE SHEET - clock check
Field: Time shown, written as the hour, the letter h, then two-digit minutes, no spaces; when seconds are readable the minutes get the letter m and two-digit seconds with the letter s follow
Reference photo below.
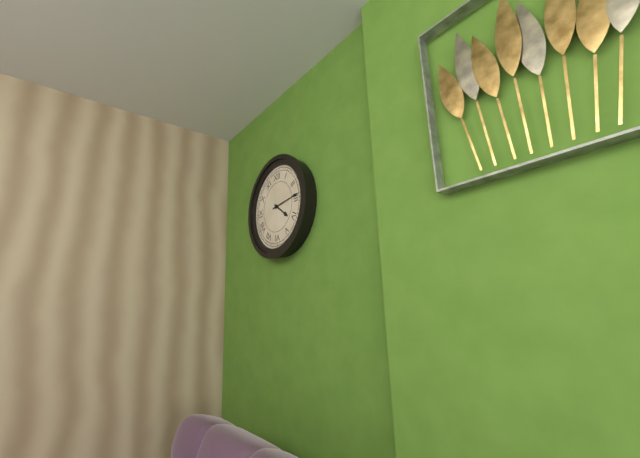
4h14
